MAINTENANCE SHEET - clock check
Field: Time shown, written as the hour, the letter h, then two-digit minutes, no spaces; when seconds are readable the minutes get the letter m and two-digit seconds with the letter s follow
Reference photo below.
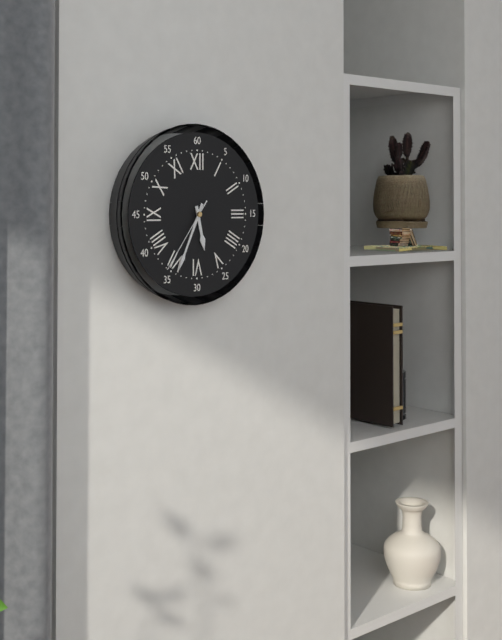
5h34m36s
